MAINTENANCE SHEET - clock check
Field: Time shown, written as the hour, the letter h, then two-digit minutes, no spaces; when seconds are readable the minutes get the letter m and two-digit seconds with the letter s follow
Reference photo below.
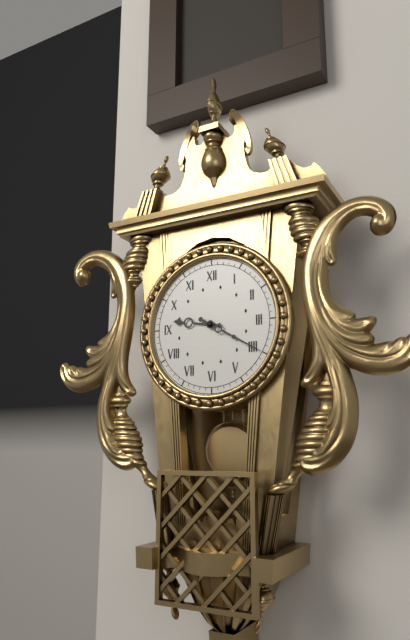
9h20
